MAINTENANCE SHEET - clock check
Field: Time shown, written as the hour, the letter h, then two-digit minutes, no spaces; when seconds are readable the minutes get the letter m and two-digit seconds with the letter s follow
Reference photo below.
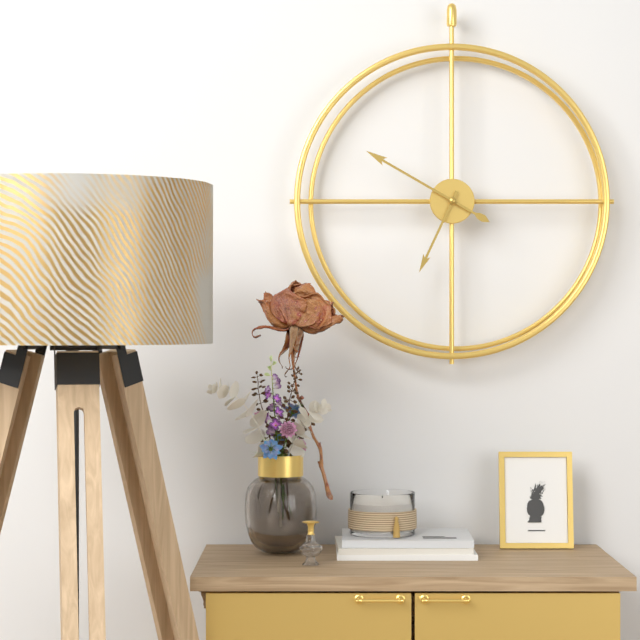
6h50
